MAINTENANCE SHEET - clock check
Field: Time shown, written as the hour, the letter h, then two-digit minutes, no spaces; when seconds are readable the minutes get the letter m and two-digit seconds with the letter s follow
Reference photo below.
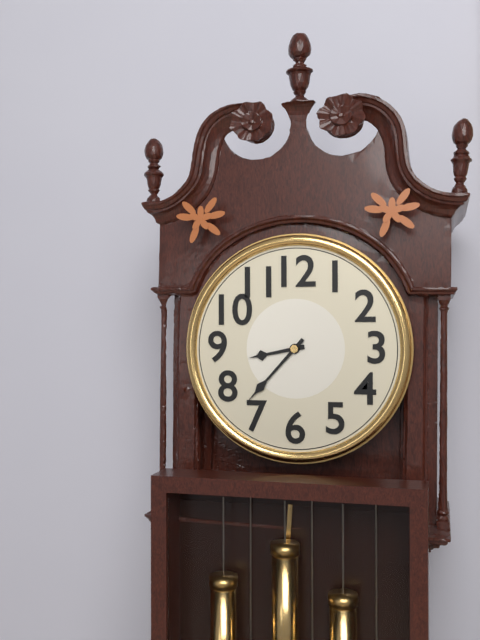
8h37
